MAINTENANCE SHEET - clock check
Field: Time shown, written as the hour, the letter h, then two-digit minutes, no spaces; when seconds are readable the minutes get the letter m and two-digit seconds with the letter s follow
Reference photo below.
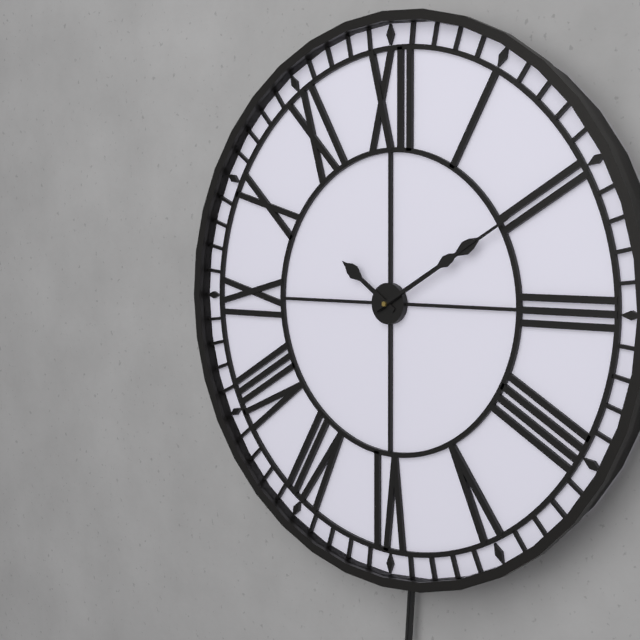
10h10m10s
